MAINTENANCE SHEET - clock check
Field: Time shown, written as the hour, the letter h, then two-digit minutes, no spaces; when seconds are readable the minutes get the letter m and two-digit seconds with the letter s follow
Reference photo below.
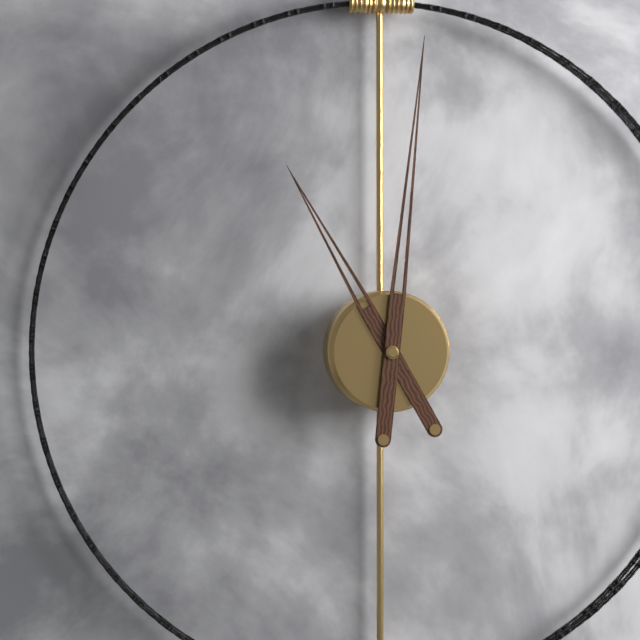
11h01
